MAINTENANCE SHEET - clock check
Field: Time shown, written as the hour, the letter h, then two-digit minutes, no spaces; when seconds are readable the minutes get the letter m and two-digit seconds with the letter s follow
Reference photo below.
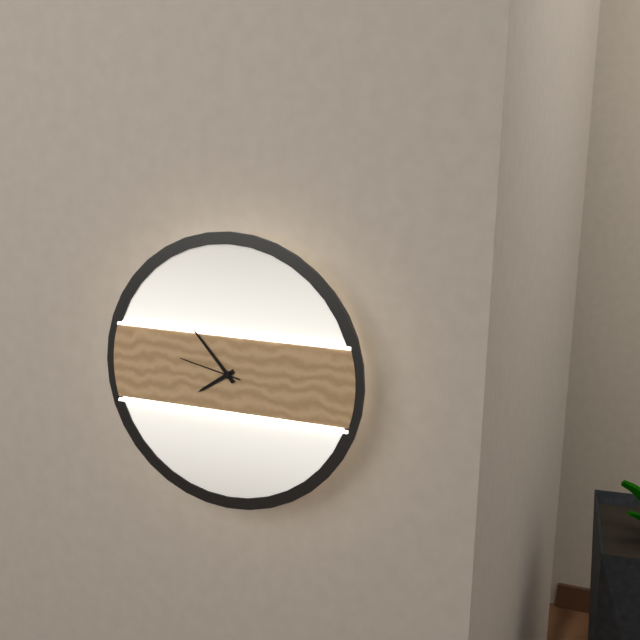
7h53m47s
